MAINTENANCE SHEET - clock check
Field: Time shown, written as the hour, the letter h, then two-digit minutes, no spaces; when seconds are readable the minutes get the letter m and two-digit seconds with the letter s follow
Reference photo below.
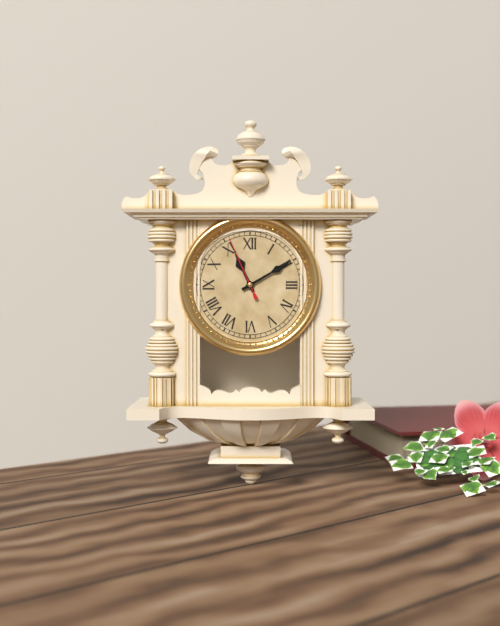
11h10m56s
